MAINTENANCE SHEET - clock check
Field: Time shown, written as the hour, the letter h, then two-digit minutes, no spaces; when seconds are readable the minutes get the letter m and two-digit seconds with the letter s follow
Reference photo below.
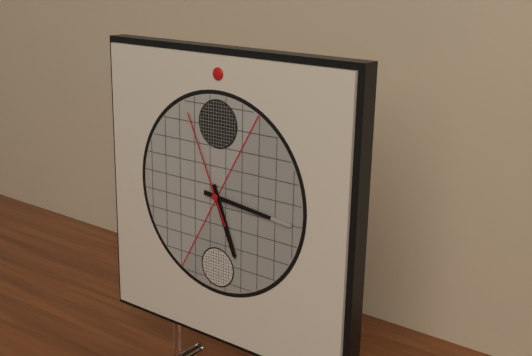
5h16m56s
